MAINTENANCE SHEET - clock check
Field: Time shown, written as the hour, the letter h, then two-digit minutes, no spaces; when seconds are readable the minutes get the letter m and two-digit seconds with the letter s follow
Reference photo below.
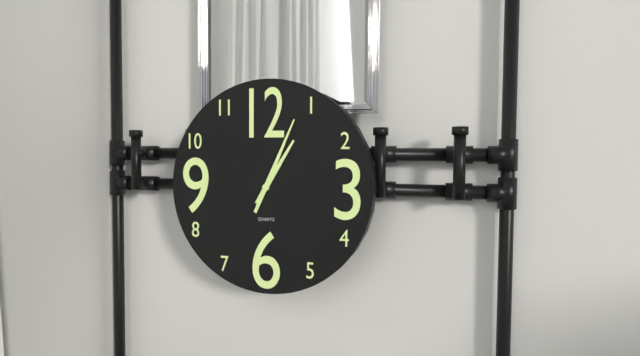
1h04
